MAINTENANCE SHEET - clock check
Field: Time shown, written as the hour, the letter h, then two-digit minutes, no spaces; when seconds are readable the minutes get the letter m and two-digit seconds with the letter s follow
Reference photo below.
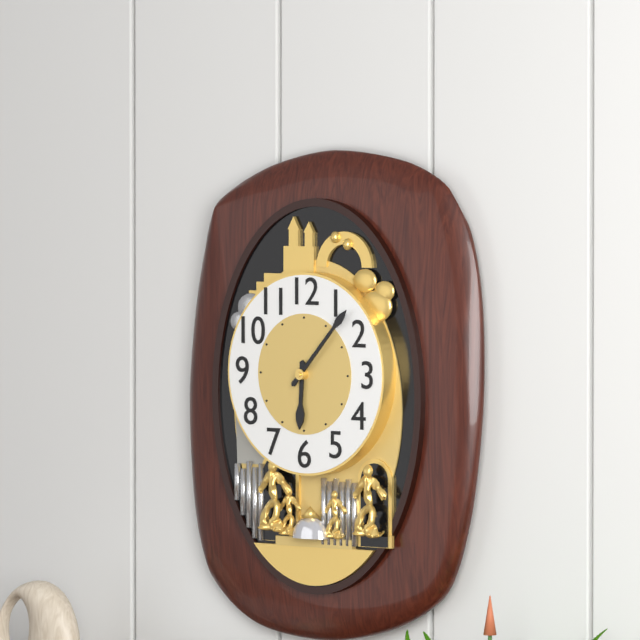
6h07
